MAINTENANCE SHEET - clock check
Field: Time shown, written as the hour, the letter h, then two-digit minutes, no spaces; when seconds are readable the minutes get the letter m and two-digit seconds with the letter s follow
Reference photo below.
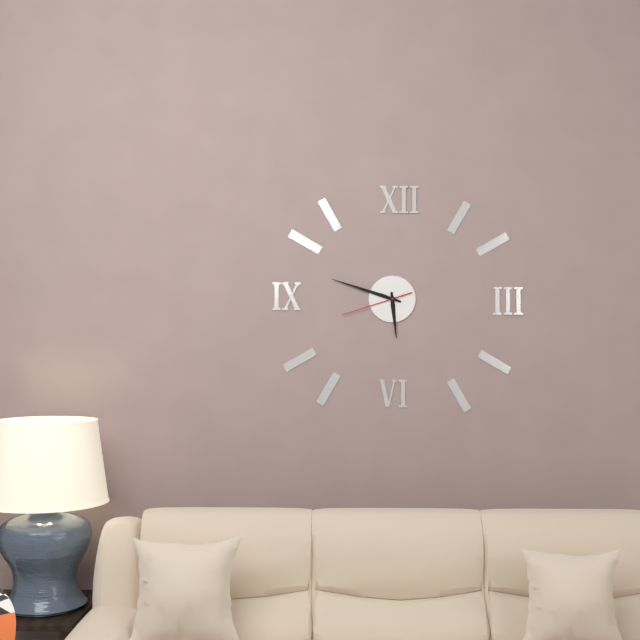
5h48m42s
